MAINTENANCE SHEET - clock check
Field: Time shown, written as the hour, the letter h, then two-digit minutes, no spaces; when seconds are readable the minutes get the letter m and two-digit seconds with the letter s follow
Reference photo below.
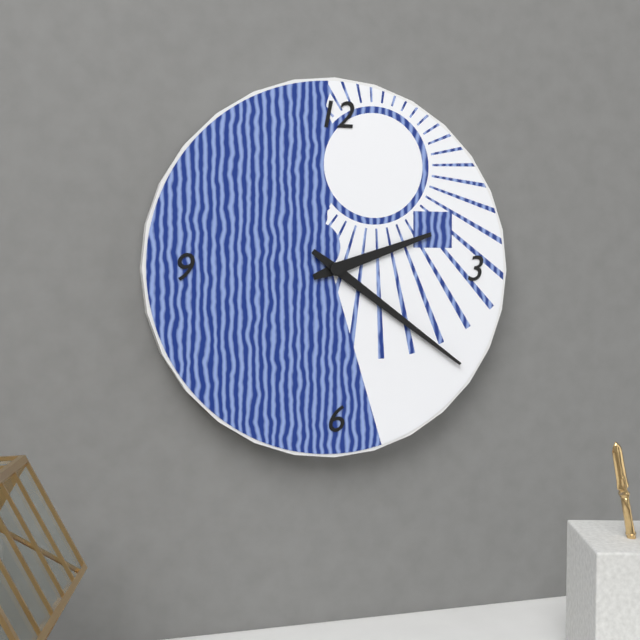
2h21
